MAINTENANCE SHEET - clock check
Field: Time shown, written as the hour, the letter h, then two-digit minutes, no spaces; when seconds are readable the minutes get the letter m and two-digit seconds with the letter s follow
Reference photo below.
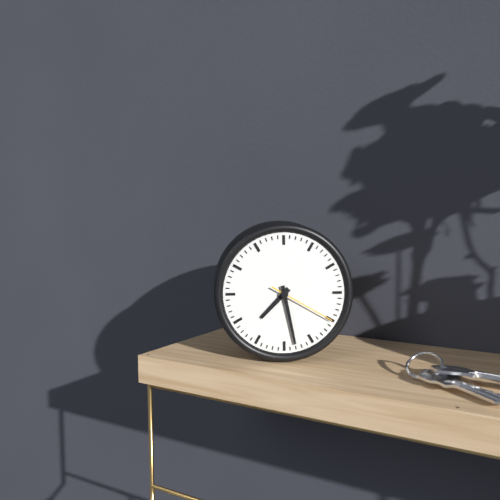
7h28m20s
